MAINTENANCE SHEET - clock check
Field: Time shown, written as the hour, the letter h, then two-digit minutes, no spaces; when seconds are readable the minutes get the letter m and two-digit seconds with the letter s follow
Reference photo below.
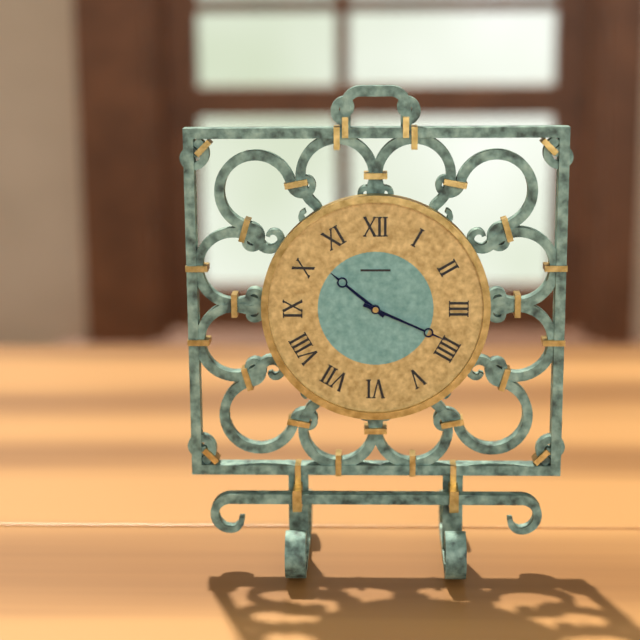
10h19
